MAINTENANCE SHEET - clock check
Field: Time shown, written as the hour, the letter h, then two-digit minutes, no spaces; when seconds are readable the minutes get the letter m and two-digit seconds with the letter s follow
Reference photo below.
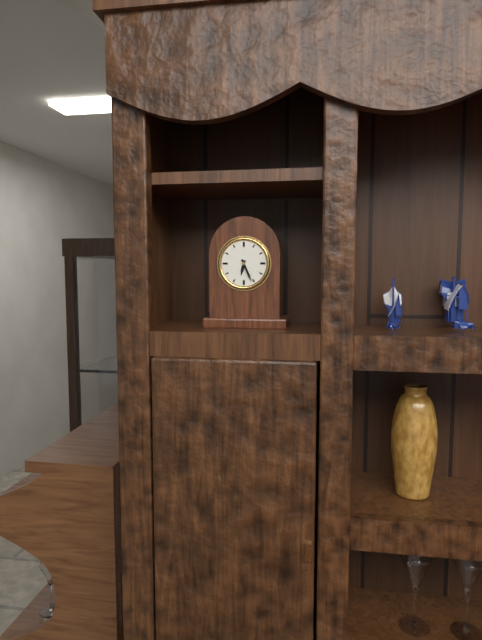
6h26
